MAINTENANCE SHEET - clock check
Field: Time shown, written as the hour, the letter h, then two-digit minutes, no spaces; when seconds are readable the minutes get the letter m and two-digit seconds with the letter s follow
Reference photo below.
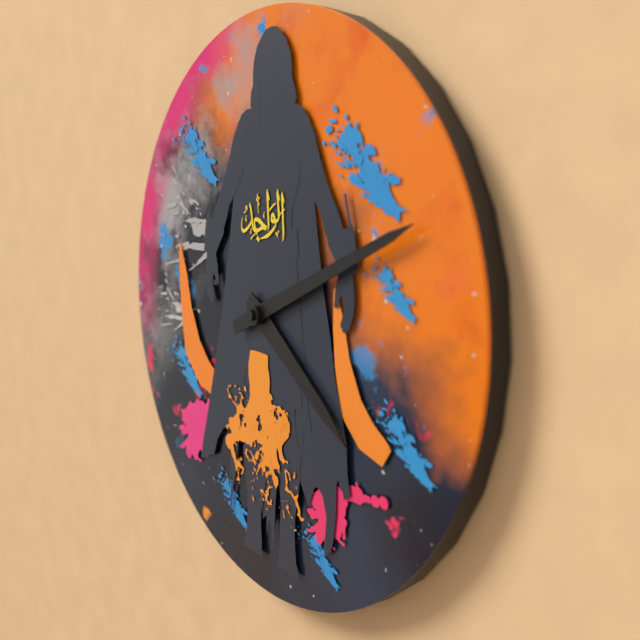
4h11
